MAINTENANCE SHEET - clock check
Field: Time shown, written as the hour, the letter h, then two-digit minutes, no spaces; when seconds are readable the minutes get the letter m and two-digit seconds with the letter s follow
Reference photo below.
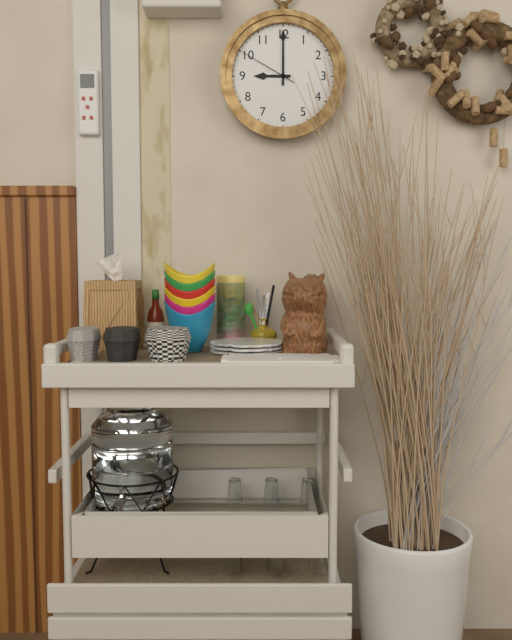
9h00m50s
